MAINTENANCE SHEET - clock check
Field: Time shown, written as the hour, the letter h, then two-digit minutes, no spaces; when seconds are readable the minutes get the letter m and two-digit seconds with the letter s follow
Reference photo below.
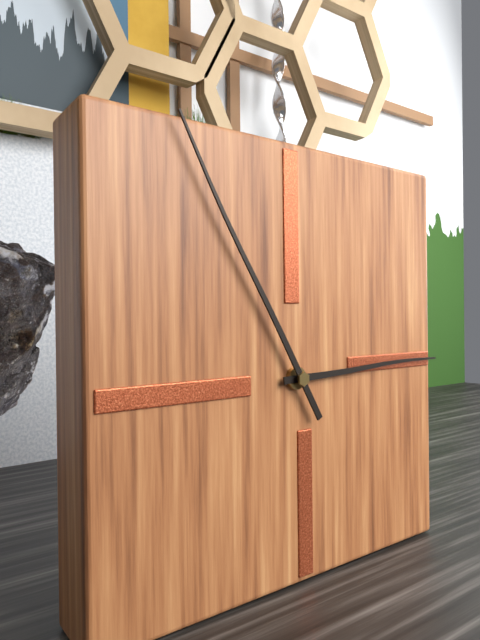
2h55
